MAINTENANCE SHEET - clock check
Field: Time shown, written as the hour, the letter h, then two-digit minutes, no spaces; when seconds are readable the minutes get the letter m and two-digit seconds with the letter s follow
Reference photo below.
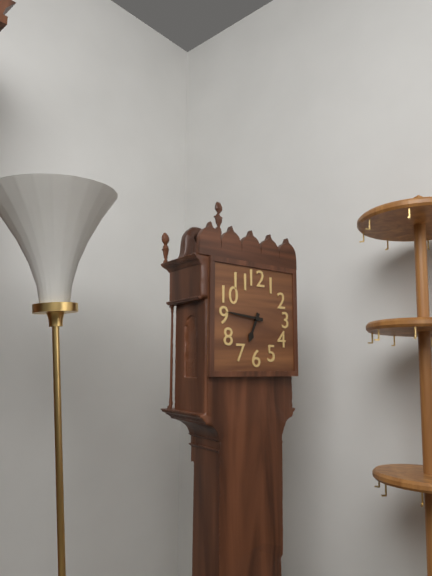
6h46
